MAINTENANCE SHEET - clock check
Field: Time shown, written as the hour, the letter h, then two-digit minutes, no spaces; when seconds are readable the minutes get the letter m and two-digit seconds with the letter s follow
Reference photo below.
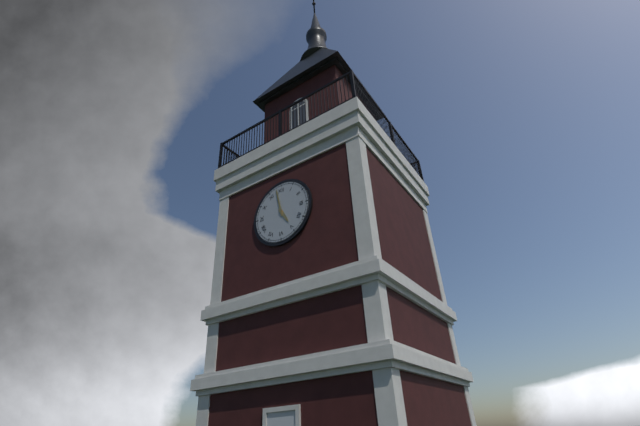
4h58
